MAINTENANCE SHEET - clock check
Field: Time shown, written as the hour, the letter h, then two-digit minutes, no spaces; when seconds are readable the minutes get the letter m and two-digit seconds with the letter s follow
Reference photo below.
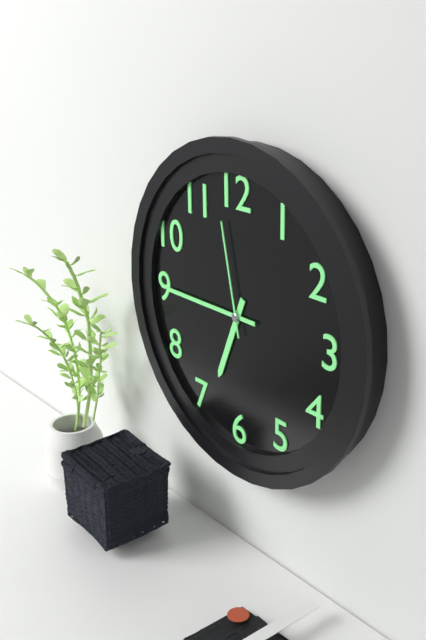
6h45m58s
